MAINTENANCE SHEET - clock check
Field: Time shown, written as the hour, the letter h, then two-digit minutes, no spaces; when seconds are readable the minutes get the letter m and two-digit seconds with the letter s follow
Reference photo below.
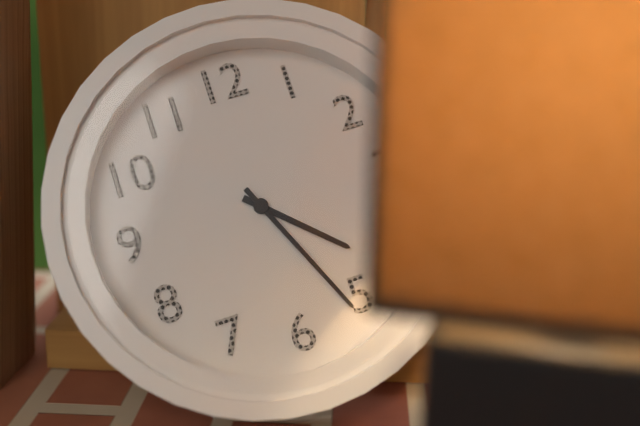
4h26
